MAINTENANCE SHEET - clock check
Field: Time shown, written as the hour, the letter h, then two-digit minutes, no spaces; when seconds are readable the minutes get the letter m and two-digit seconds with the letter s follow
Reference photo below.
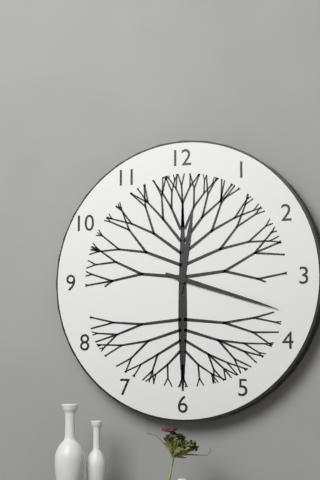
12h18
